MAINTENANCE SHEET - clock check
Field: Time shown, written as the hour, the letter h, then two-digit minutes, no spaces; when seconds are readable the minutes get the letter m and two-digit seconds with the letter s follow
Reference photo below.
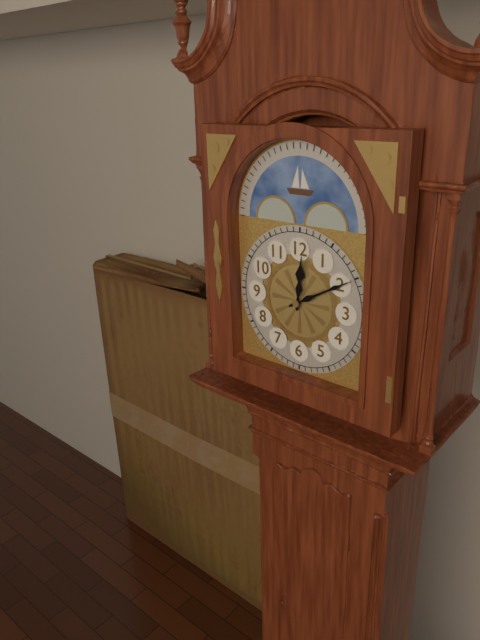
12h10
